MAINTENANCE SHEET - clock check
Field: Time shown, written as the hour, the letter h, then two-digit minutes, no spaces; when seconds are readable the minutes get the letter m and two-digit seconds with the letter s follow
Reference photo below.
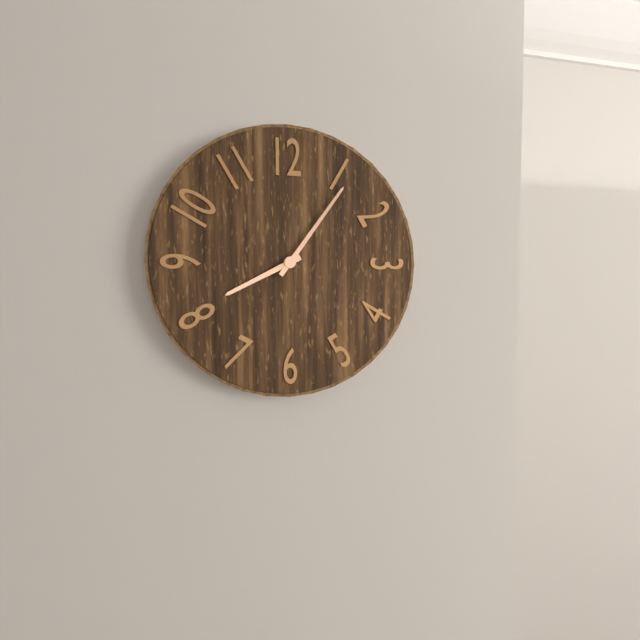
8h06
